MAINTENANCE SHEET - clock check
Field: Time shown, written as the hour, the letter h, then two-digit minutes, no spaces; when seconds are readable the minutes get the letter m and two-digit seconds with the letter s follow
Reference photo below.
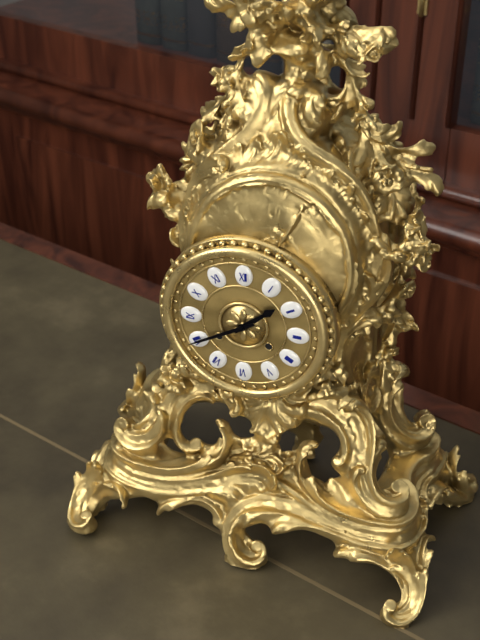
1h40
